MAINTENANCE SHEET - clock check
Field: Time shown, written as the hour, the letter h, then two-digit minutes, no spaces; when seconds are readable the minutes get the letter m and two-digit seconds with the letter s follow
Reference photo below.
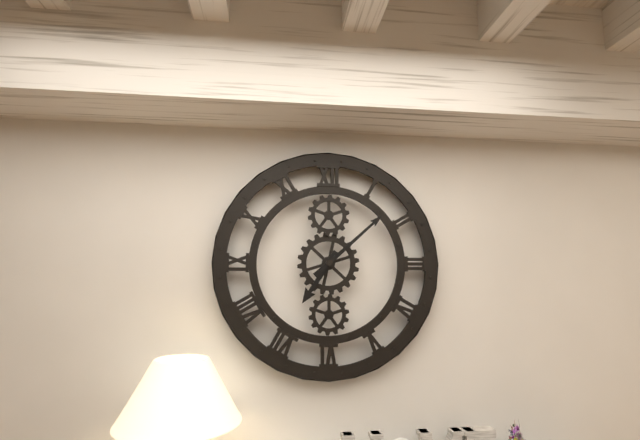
7h08
